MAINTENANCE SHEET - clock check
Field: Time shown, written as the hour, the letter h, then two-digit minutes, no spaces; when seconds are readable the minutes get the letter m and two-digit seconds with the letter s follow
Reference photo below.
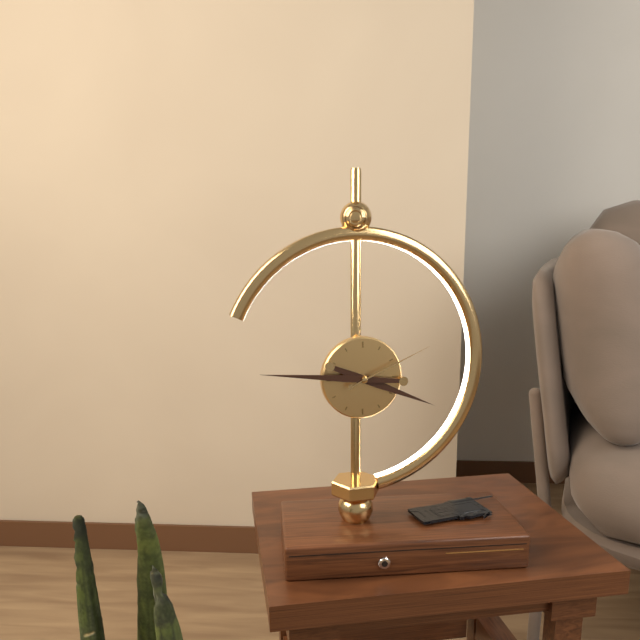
3h46m11s
